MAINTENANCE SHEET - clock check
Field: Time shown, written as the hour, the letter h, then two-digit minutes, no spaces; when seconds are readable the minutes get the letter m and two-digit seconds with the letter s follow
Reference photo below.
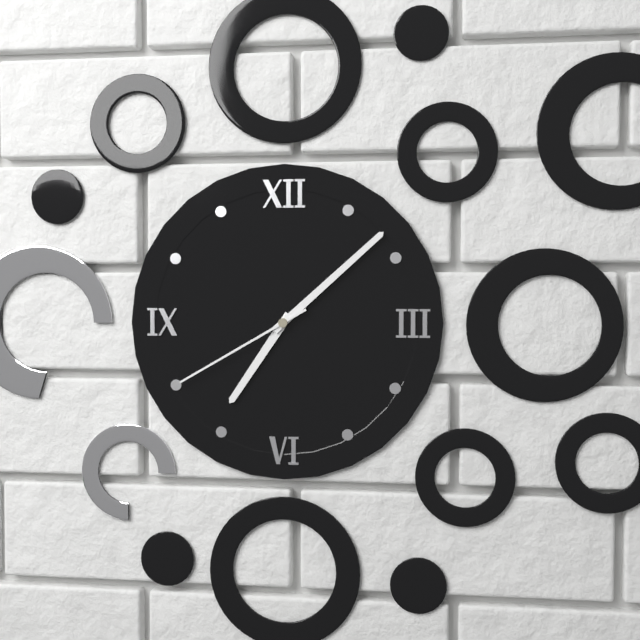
7h08m40s
